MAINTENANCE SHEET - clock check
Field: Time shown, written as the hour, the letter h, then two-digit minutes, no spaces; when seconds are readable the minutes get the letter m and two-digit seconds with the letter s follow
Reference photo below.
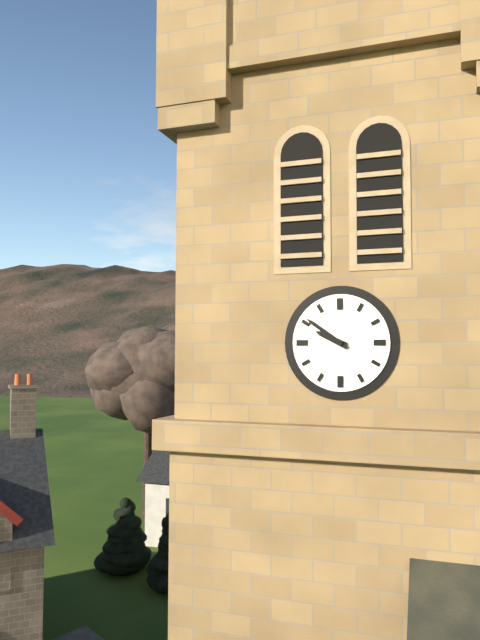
9h51
